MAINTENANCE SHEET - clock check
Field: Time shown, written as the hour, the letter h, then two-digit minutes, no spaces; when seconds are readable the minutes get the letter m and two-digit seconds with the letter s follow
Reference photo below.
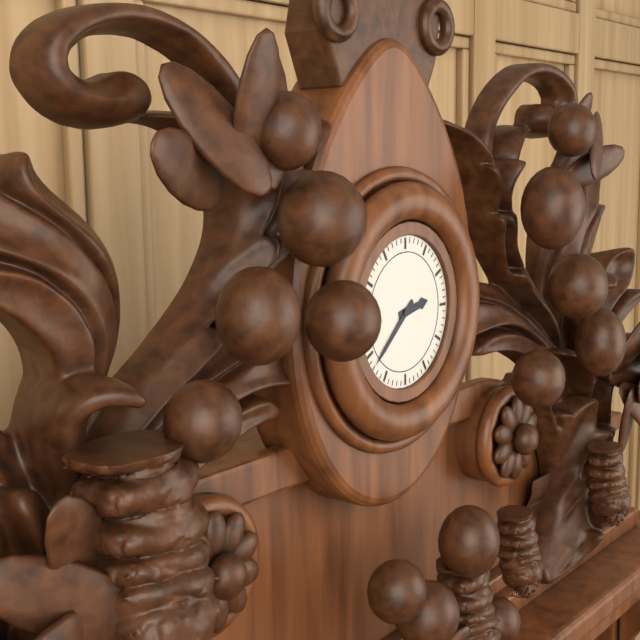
2h38
